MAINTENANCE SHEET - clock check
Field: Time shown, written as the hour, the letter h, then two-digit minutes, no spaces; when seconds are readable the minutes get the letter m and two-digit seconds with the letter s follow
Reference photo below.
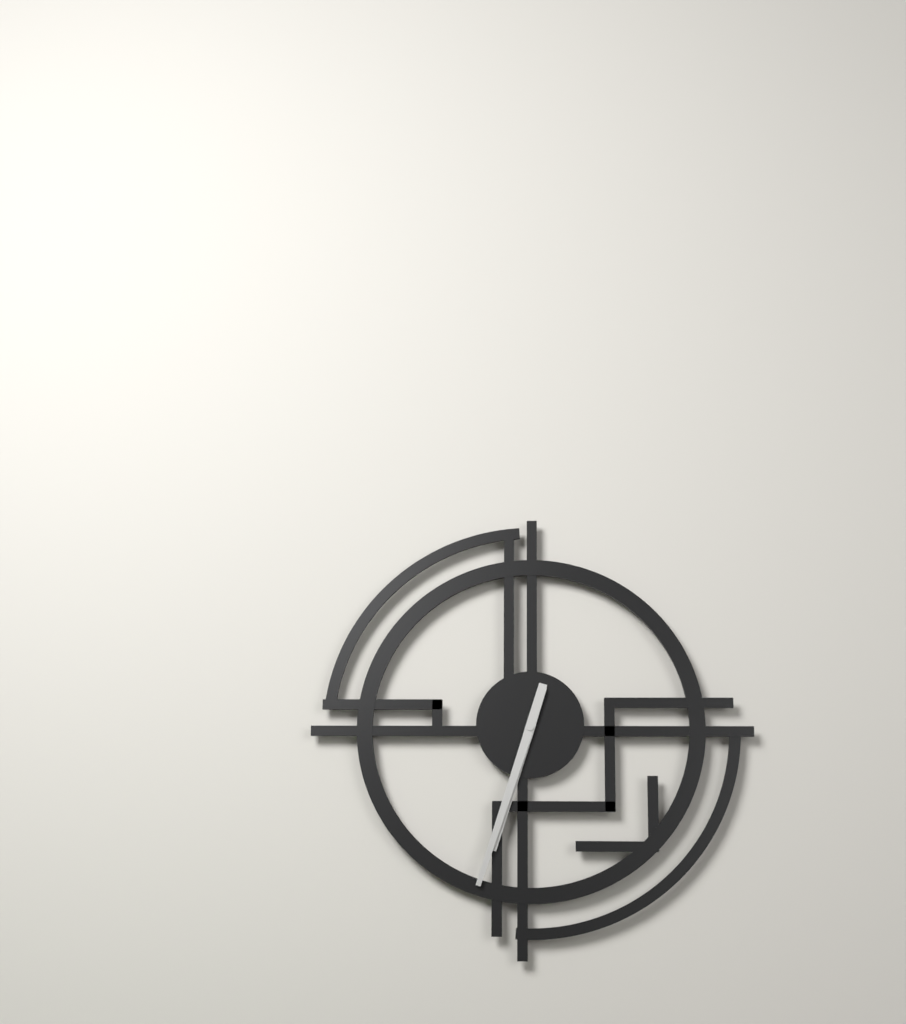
6h33
